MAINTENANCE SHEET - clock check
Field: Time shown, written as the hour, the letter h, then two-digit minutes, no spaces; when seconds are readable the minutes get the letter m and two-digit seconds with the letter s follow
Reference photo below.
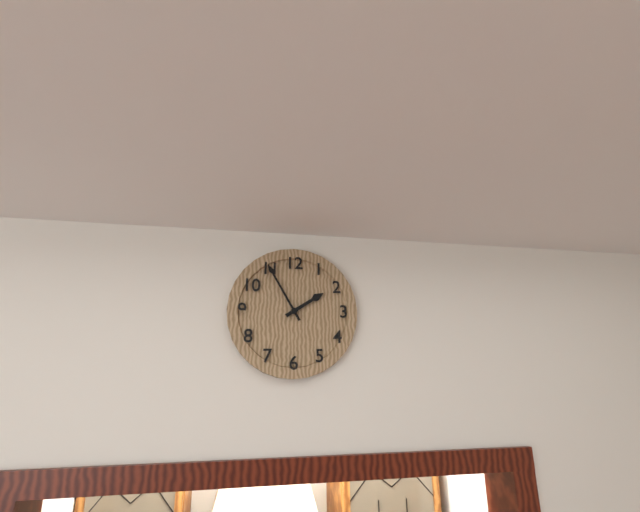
1h55
